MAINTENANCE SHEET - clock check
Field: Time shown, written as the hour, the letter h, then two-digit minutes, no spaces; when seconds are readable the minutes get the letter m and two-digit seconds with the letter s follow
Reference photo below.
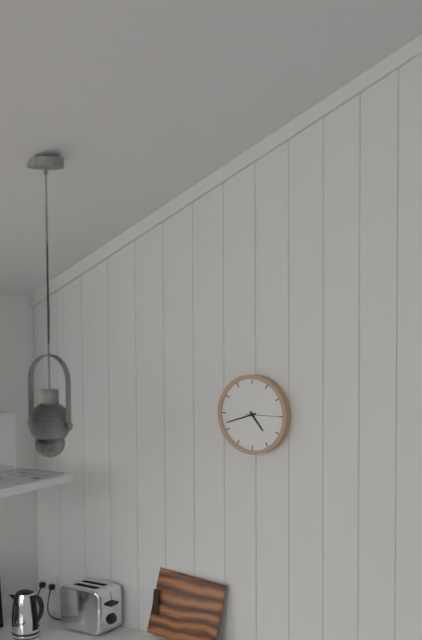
4h42
